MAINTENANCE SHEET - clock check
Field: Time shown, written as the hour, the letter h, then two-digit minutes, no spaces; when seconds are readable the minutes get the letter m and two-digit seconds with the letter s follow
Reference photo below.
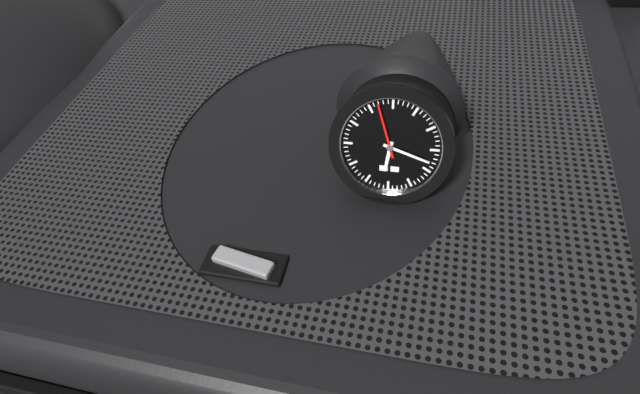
6h18m57s
